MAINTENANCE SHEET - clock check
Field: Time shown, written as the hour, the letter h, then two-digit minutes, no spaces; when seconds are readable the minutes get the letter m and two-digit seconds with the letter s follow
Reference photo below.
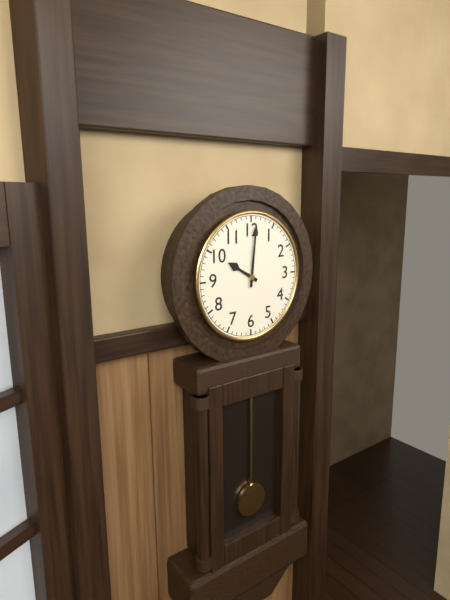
10h01
